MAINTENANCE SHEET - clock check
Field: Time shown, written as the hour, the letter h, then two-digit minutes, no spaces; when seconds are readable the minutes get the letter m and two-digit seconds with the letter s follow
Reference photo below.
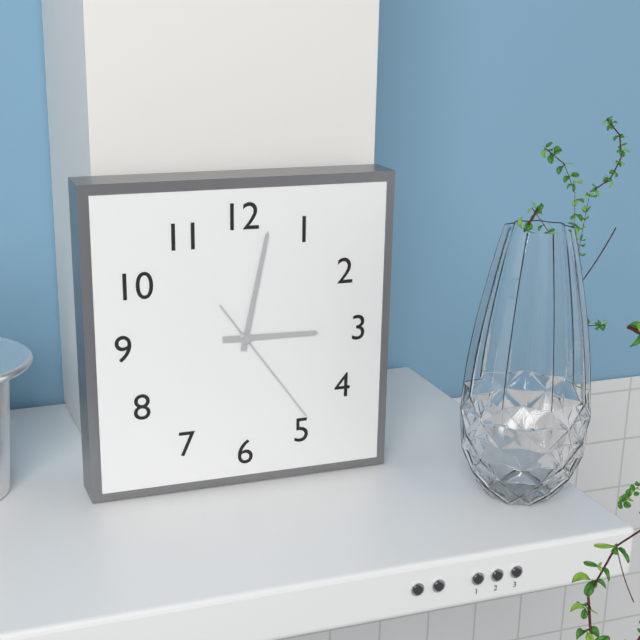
3h02m24s
